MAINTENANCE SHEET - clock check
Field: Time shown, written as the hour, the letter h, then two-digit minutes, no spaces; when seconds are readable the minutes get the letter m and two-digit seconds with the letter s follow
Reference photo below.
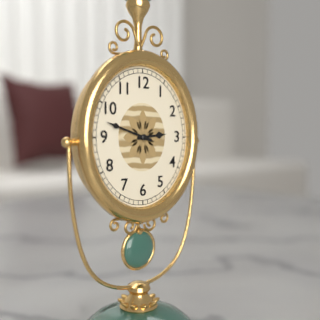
2h48
